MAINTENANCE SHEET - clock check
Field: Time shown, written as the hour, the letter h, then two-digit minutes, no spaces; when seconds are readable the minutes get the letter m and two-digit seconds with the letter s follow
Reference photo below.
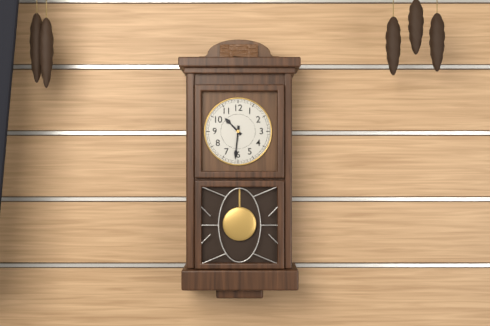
10h31
